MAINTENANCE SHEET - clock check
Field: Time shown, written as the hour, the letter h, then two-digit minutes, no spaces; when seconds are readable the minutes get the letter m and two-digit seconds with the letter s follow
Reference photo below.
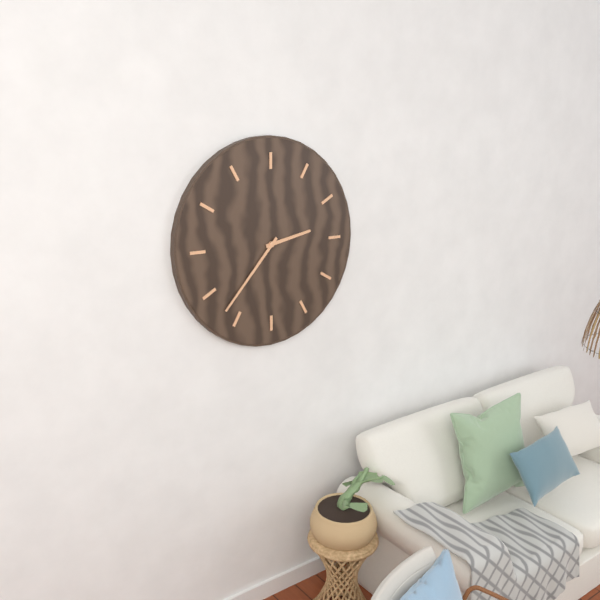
2h37
